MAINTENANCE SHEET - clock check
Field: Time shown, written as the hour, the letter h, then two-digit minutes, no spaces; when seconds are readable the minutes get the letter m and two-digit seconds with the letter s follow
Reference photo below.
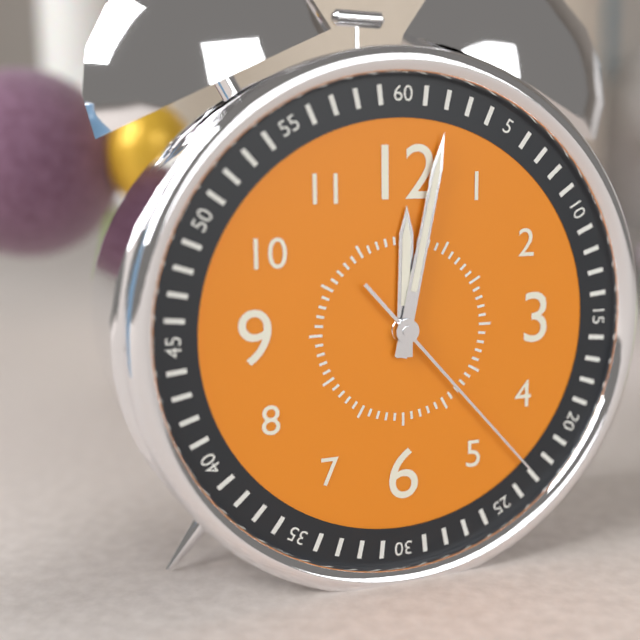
12h02m23s
